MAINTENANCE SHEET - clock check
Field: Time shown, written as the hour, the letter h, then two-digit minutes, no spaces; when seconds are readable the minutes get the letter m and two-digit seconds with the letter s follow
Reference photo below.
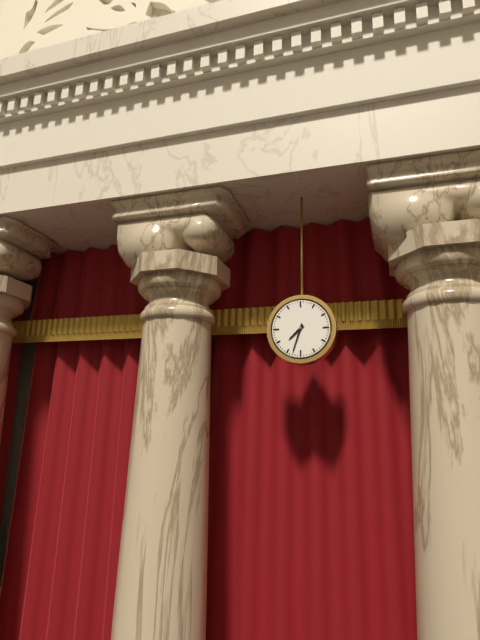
7h33
